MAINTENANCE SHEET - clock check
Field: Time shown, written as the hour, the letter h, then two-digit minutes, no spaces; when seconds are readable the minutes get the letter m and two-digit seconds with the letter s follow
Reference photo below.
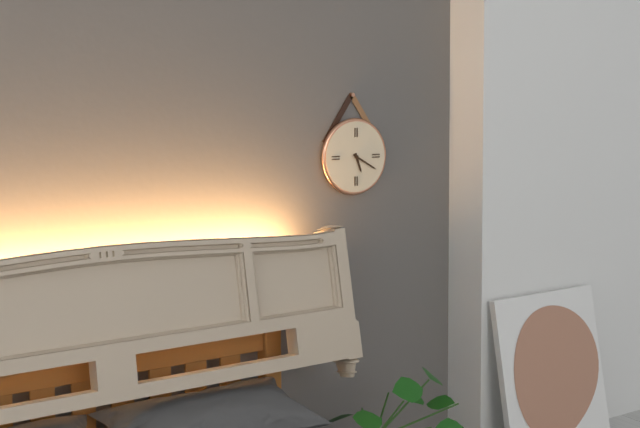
5h20
